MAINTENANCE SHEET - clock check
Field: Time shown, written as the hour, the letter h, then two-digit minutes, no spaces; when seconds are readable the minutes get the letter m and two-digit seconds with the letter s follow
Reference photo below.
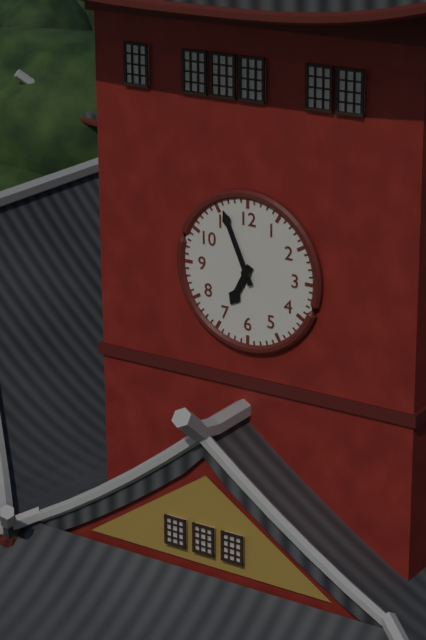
6h56
